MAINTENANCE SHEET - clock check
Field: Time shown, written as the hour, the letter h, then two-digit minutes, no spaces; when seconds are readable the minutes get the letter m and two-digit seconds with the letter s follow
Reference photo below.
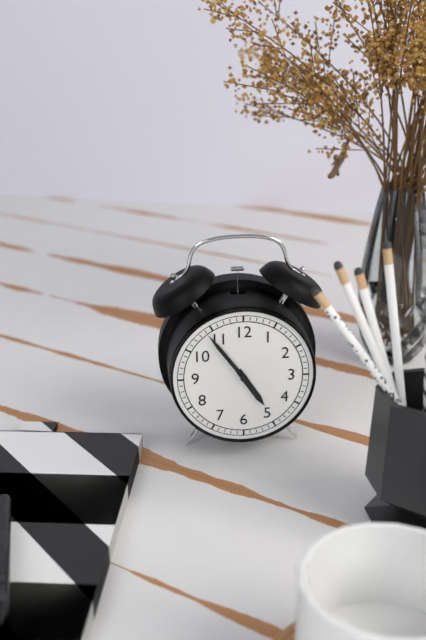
4h54
